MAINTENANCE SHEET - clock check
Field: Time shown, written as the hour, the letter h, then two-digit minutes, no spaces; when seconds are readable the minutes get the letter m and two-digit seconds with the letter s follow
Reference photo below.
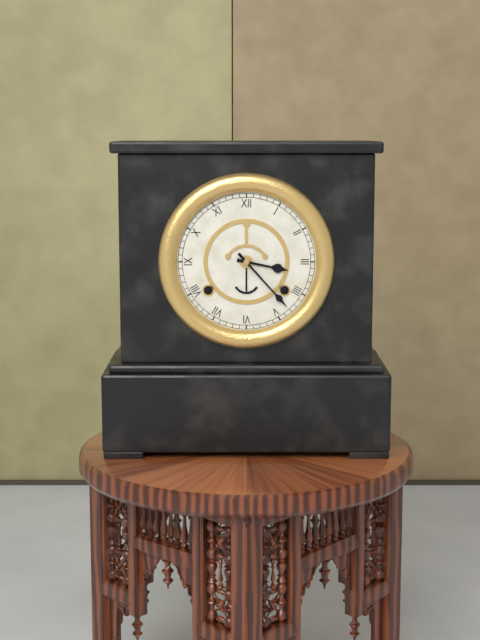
3h23
